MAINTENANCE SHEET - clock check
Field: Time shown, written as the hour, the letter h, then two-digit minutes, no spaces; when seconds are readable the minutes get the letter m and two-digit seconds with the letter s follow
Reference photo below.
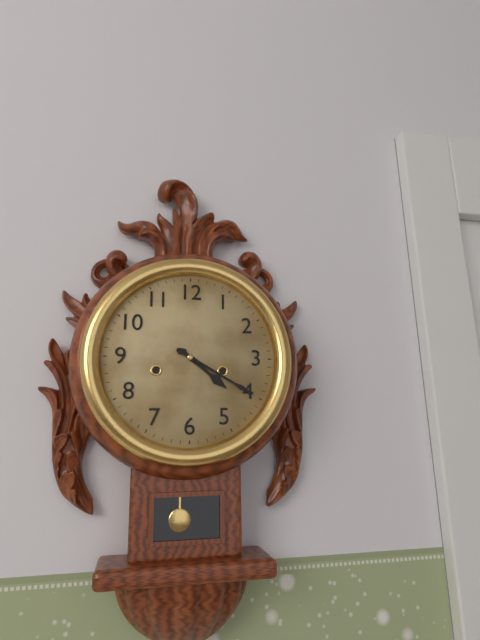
4h20
